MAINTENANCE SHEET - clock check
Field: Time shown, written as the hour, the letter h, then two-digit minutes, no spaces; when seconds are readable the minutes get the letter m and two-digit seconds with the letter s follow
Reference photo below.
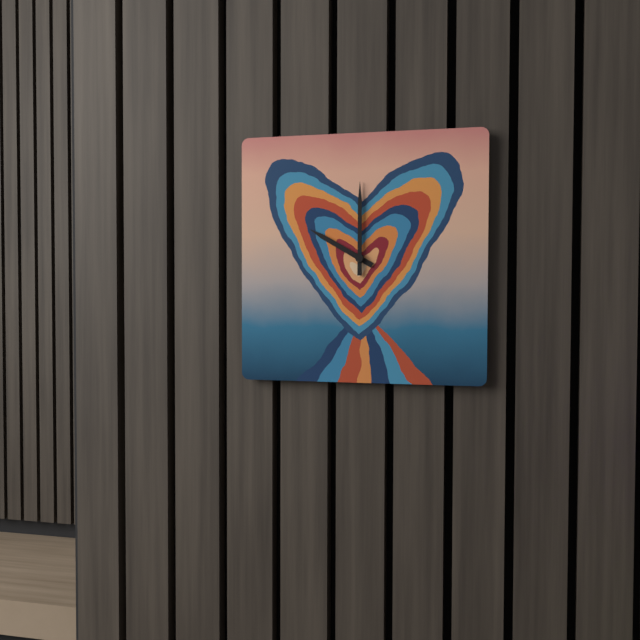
10h00
